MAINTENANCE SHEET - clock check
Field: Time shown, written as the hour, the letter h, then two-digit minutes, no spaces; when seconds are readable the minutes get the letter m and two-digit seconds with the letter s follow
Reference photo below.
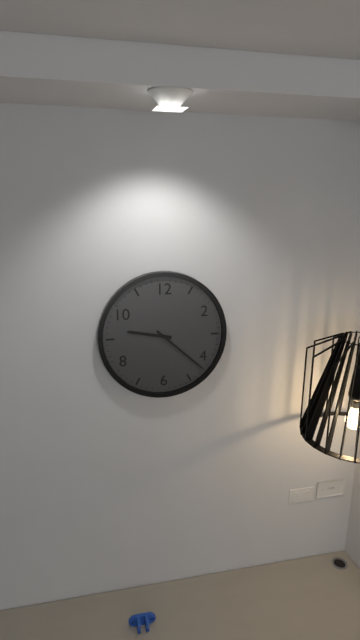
9h22
